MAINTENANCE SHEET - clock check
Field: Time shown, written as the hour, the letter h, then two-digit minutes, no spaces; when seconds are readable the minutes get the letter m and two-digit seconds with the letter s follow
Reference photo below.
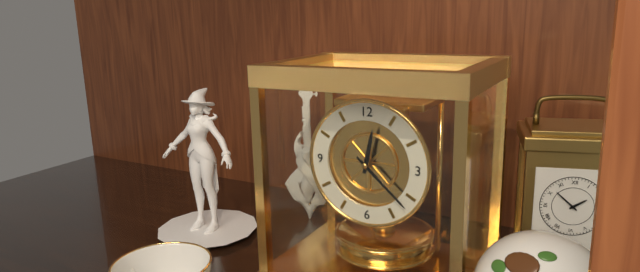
12h22
